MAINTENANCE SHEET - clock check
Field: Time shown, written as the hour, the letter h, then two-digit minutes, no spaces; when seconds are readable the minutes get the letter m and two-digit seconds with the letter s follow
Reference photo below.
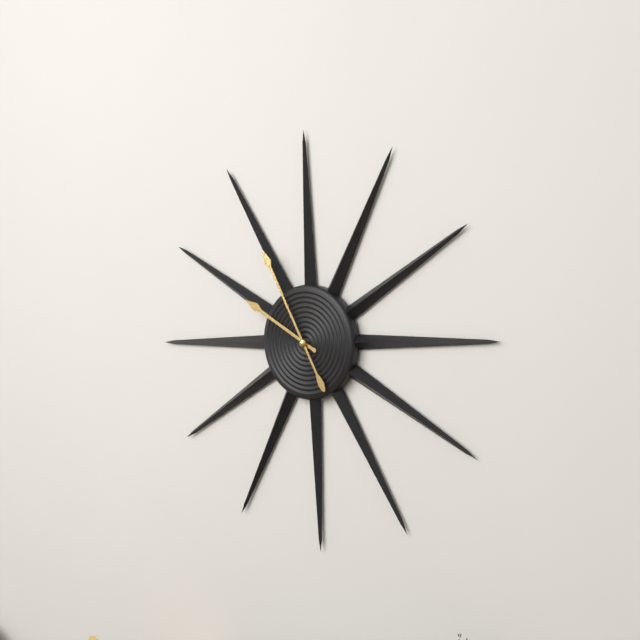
9h55
